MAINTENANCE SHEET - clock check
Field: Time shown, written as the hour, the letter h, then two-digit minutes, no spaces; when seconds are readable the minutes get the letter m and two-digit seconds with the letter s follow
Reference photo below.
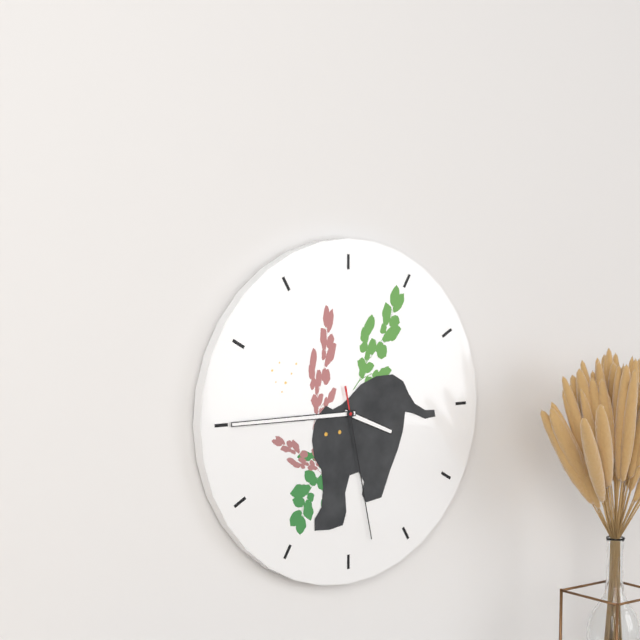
3h45m28s
